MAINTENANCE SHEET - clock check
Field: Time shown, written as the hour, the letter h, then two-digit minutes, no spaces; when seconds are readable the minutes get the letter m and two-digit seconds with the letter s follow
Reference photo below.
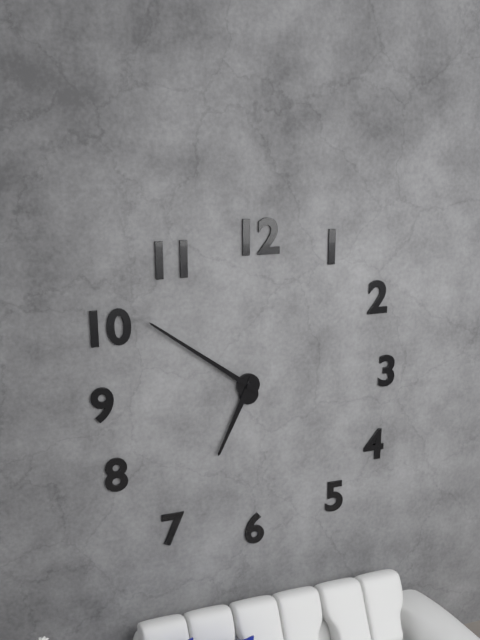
6h51
